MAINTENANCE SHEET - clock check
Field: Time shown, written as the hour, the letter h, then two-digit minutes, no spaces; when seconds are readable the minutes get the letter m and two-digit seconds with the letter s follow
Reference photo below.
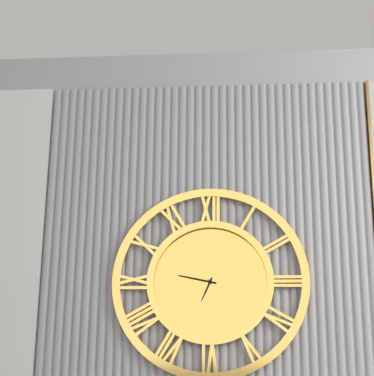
6h47
